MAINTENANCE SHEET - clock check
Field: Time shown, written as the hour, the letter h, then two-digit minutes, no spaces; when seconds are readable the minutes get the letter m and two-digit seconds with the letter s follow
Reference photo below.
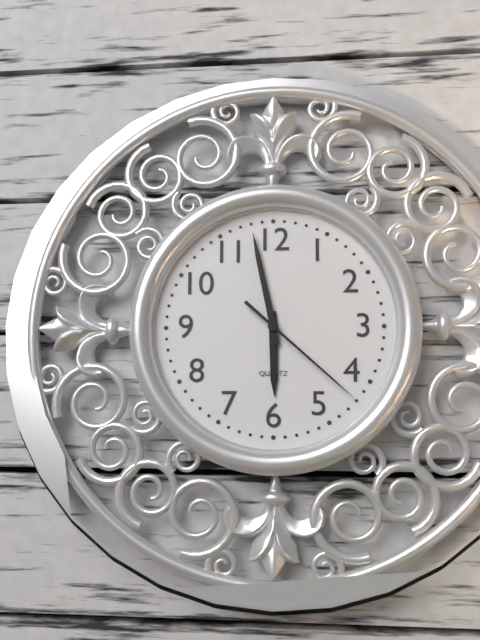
5h58m22s
